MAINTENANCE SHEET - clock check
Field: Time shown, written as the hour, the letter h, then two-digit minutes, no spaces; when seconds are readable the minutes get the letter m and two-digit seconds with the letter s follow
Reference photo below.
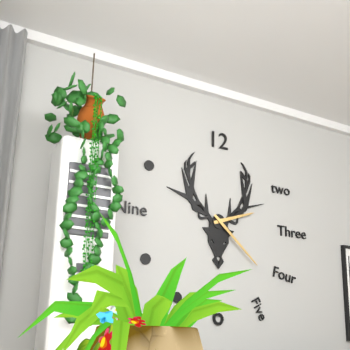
2h22
